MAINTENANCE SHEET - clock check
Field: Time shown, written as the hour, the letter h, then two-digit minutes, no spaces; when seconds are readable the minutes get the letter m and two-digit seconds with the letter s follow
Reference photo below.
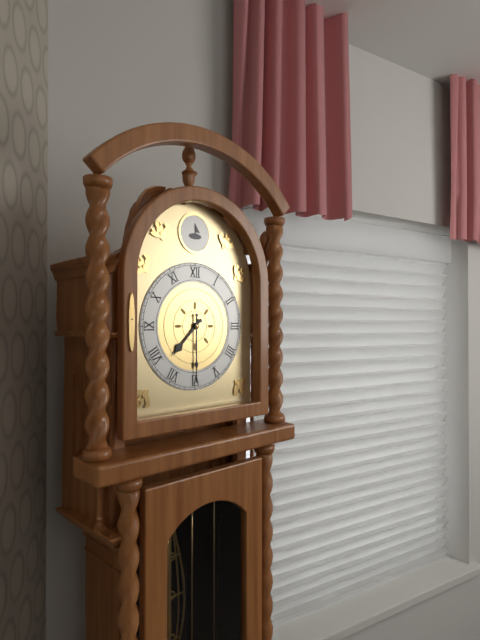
7h30
